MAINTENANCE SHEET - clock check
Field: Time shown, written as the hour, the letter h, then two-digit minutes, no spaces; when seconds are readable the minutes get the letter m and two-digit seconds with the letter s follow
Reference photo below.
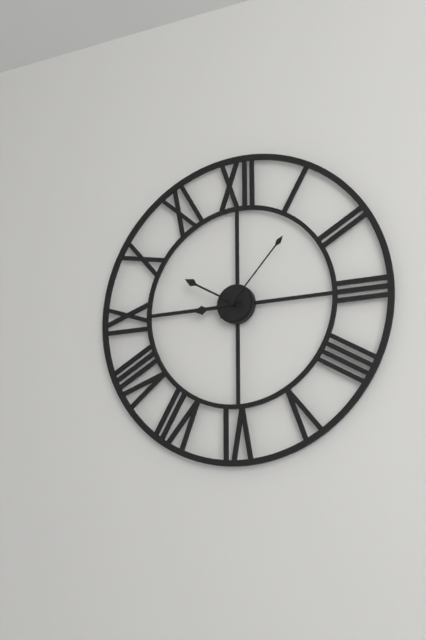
8h50m07s
